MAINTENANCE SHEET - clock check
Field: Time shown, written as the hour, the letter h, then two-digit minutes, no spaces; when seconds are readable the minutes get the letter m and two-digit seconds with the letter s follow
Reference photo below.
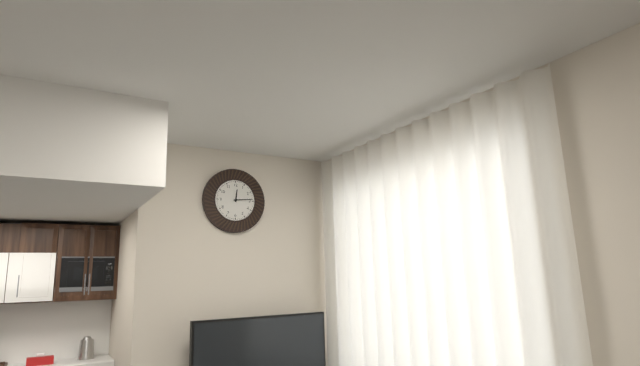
12h14
